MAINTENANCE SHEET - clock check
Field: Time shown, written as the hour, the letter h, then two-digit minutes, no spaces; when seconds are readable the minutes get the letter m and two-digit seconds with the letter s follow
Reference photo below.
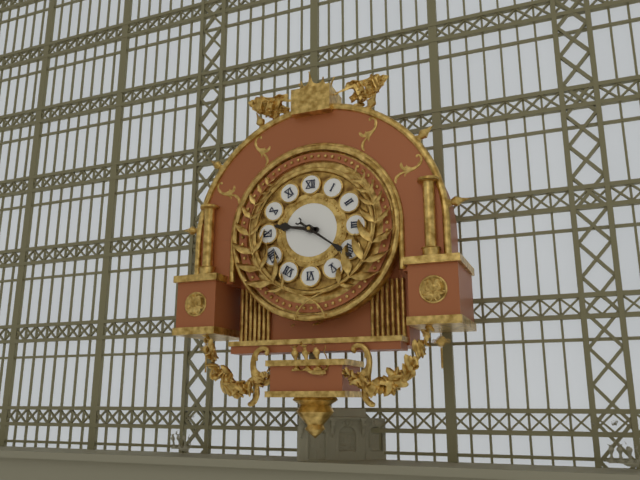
9h21
